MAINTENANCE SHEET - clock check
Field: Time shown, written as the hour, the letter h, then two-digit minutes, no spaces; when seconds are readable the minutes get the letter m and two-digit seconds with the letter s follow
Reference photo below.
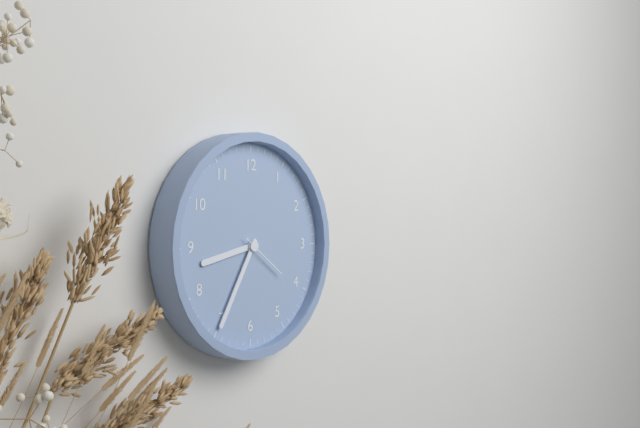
8h35m21s
